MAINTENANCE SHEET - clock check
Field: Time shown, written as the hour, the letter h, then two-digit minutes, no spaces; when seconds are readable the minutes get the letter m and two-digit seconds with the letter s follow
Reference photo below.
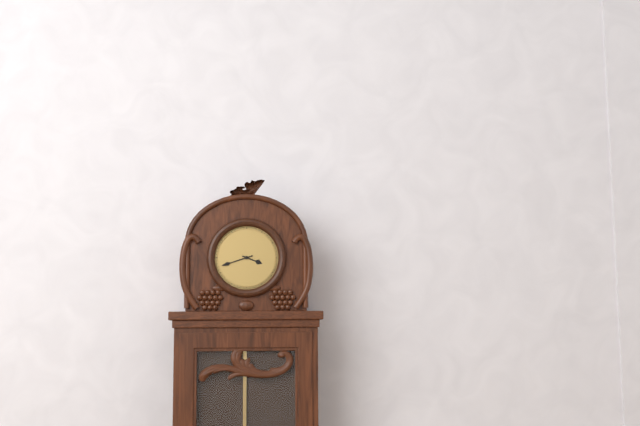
3h42
